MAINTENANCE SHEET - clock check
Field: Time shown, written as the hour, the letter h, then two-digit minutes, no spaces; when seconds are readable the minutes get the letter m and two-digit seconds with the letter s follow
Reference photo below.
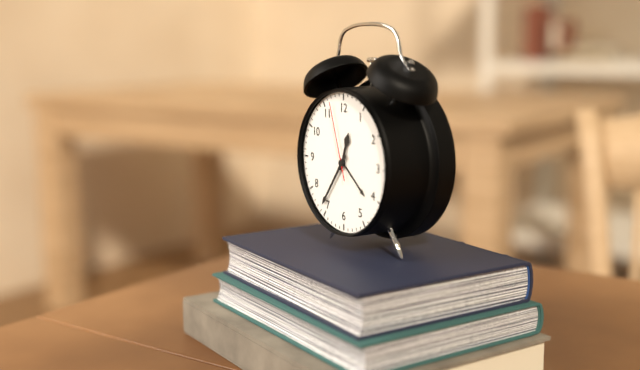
12h36m57s
